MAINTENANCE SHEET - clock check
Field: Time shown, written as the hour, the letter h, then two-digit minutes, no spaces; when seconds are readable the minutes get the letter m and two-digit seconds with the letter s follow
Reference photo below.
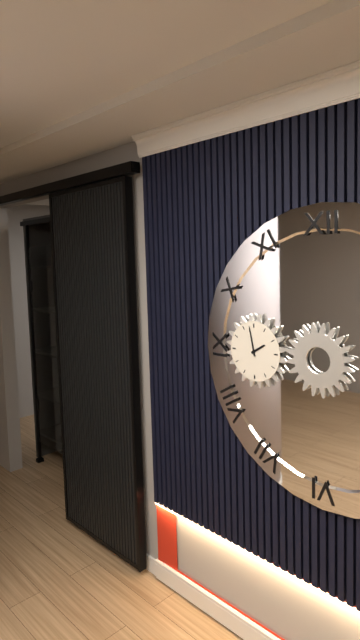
1h58
